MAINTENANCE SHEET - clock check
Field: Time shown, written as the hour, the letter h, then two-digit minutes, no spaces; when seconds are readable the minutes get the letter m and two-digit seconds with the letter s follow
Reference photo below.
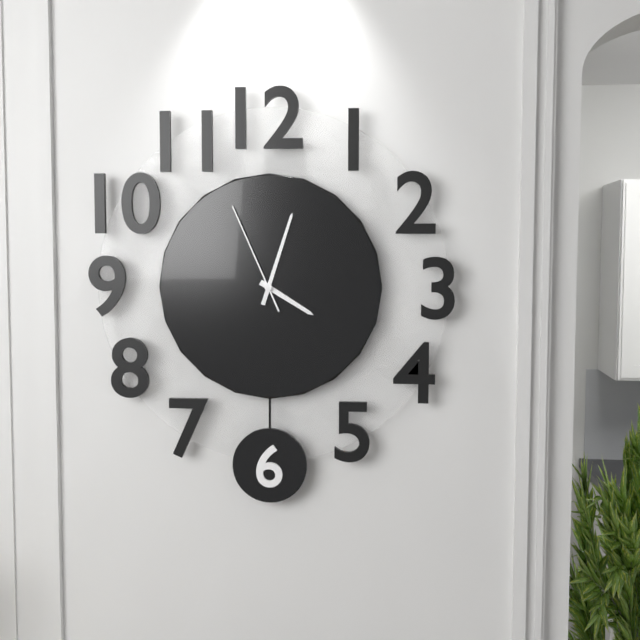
4h03m56s
